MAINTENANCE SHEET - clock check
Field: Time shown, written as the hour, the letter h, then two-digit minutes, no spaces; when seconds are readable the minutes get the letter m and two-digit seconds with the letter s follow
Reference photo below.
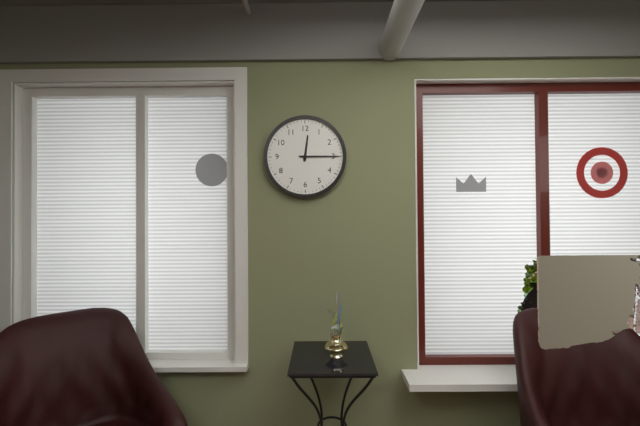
12h15
